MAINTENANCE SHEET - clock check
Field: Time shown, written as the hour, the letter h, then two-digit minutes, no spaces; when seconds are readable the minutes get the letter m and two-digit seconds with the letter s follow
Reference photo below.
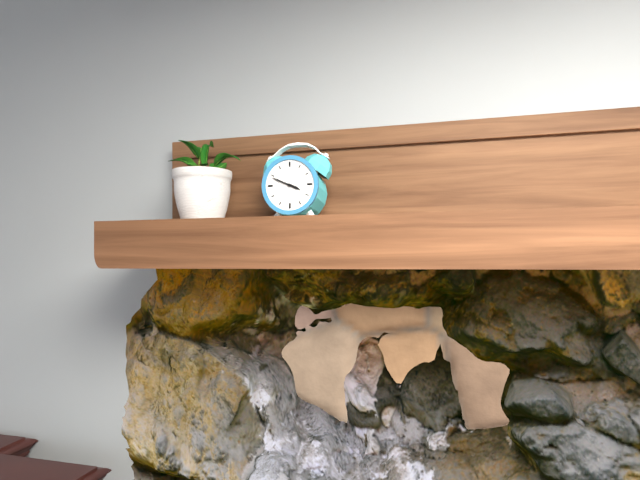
3h49
